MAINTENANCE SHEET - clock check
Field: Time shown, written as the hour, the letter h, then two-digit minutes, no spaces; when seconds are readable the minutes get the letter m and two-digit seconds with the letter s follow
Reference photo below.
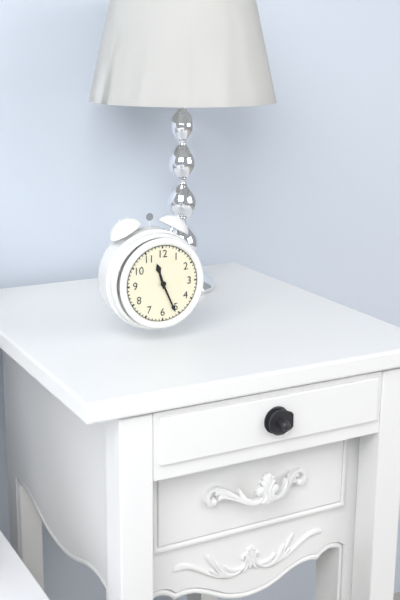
11h26
